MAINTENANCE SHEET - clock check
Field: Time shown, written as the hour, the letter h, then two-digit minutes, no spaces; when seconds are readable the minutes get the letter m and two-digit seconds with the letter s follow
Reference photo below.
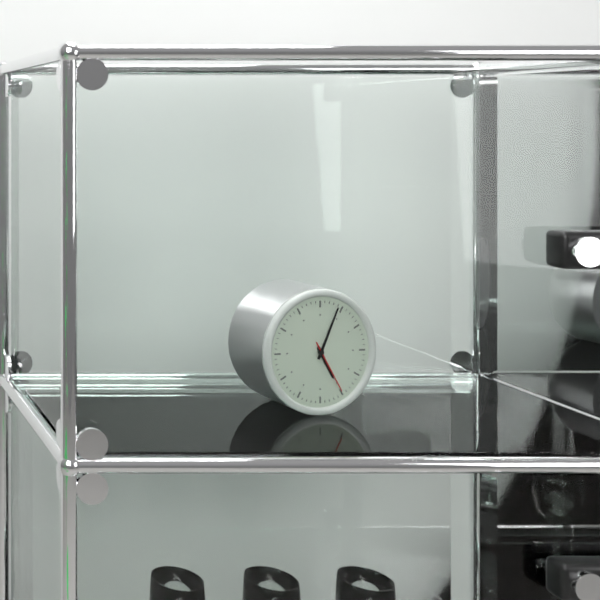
5h04m25s
